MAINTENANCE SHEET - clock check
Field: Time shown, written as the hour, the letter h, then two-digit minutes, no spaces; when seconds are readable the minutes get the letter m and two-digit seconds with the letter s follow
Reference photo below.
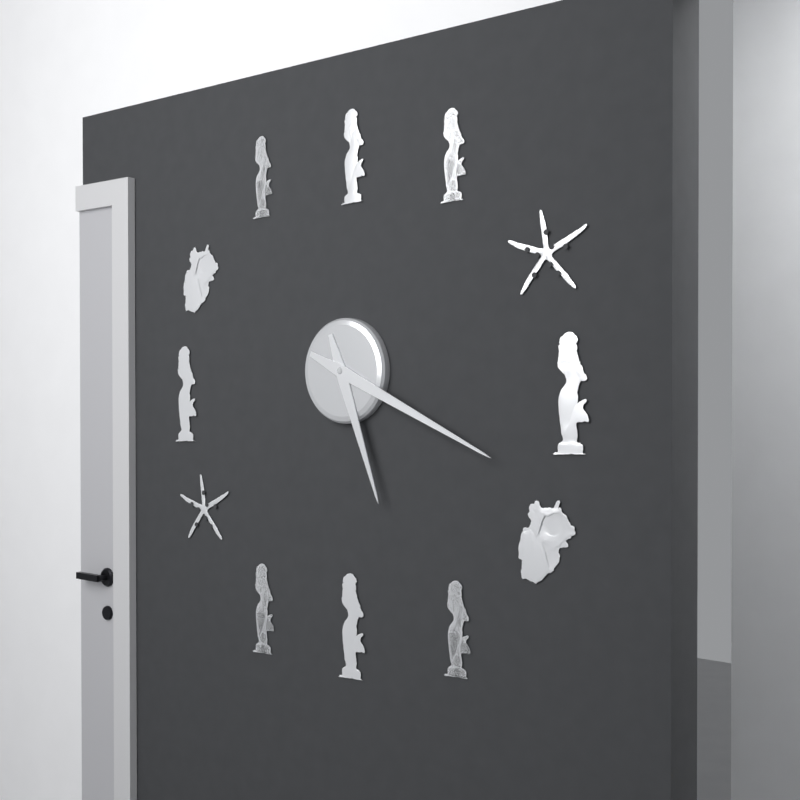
5h19
